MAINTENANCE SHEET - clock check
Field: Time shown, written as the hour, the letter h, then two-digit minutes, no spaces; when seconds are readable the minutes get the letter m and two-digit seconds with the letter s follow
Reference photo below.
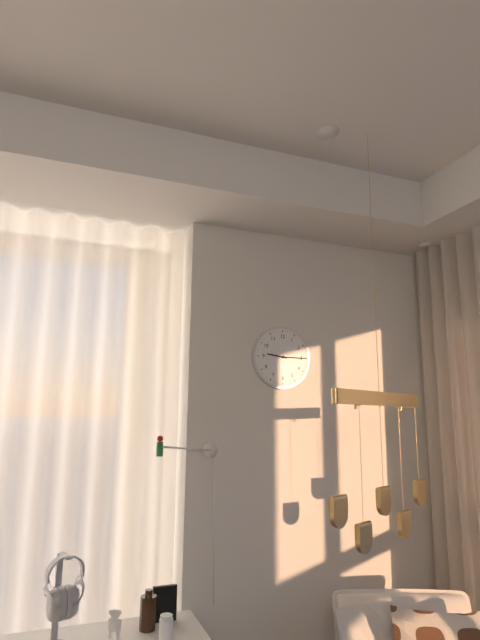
9h15
